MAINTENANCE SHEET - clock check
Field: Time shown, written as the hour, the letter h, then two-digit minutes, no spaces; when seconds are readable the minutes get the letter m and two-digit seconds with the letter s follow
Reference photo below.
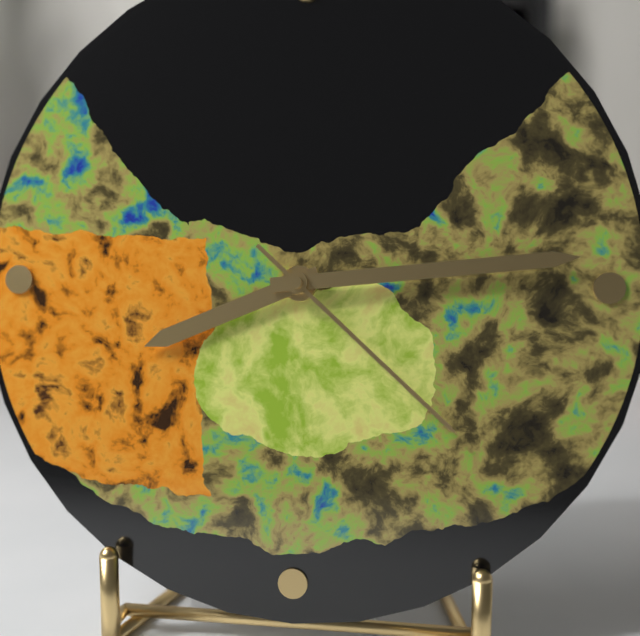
8h14m22s
